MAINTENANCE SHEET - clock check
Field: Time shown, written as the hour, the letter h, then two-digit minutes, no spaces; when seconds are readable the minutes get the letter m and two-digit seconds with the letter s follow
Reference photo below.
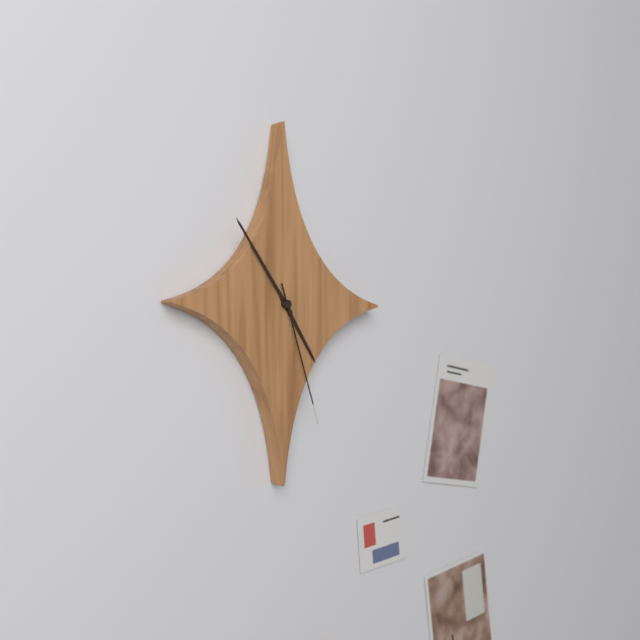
4h54m27s
